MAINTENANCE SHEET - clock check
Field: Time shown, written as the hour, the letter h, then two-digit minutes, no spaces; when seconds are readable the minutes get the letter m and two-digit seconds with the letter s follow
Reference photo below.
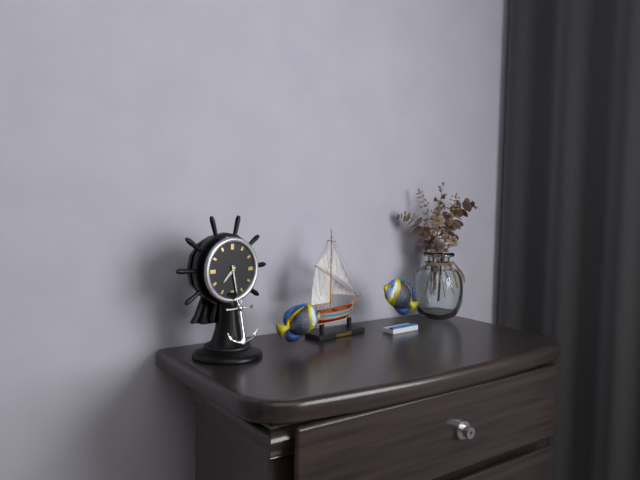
7h28
